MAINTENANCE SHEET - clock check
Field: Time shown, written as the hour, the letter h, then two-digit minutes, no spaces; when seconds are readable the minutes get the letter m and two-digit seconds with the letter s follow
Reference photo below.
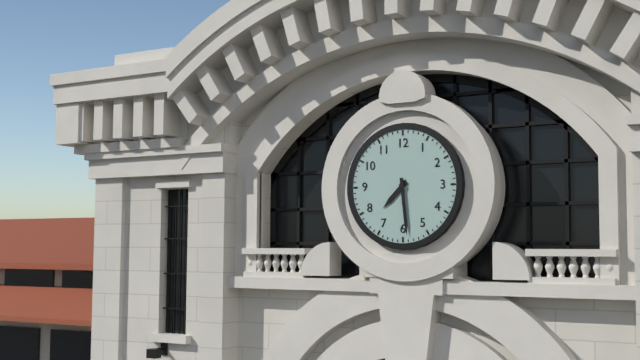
7h29
